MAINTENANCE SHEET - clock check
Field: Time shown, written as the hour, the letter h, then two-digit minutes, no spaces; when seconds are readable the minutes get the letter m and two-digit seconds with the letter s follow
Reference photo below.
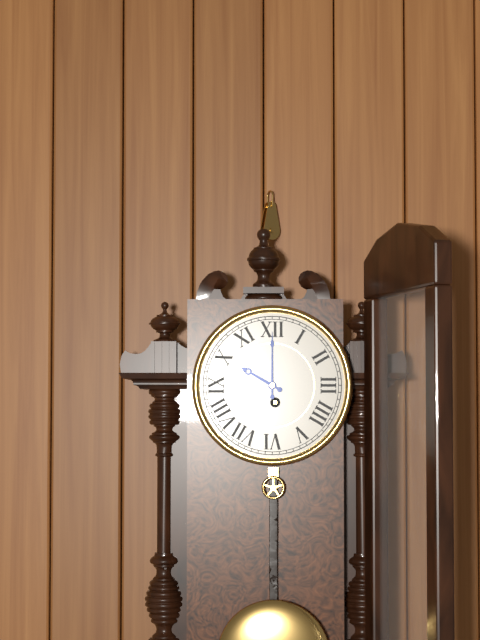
10h00
